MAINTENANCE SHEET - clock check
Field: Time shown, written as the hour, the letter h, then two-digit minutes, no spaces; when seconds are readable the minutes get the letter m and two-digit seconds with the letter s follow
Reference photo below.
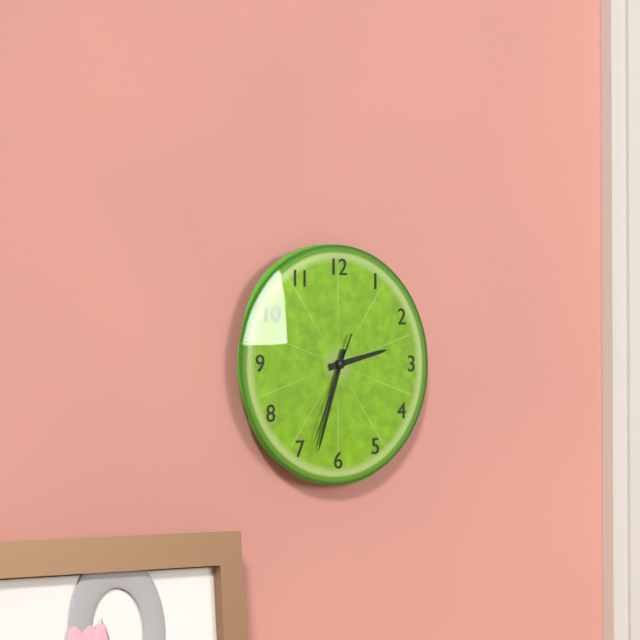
2h33m34s
